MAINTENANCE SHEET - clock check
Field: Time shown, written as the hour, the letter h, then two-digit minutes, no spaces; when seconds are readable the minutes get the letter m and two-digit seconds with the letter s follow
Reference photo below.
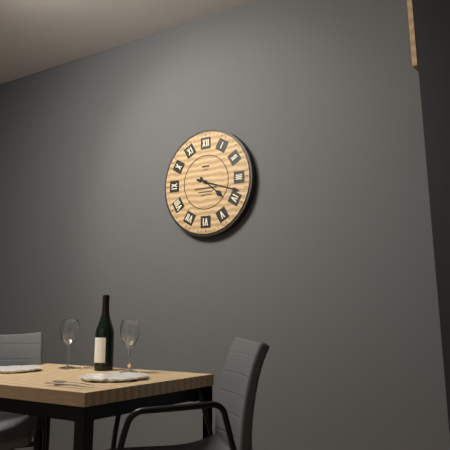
4h18
